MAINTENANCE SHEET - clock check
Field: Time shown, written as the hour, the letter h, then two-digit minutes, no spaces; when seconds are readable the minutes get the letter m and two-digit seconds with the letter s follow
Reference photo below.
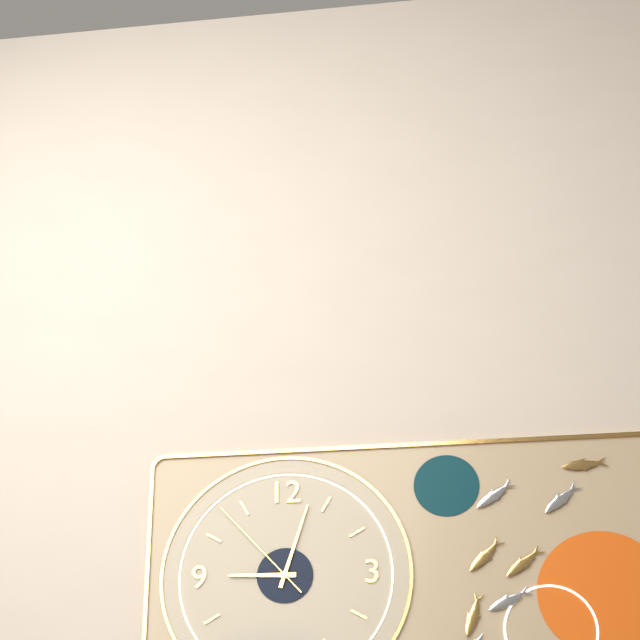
9h03m53s
